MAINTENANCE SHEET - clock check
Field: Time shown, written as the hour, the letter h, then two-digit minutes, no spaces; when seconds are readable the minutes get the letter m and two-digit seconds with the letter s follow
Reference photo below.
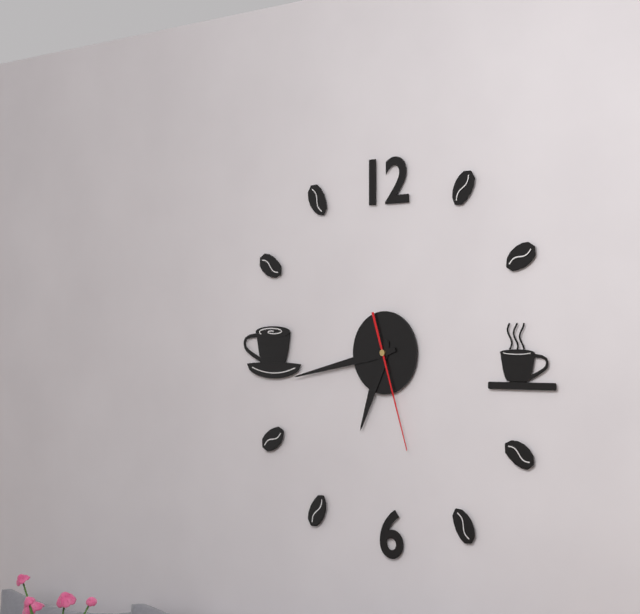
6h43m27s
